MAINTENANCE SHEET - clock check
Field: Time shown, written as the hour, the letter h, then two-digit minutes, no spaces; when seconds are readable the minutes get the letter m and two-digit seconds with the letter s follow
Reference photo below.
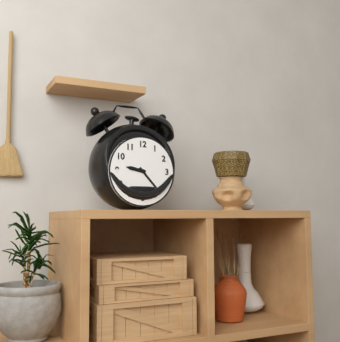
9h23
